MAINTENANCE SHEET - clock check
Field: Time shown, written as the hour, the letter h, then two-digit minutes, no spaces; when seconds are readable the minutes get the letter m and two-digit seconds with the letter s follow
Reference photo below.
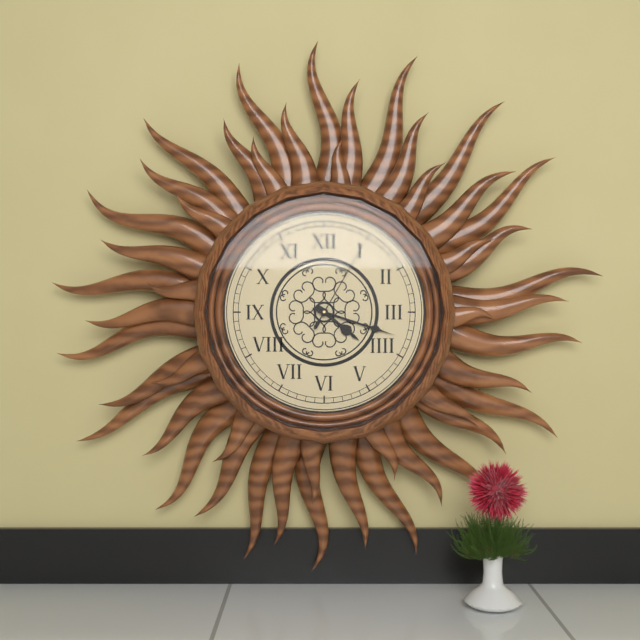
4h18m05s
